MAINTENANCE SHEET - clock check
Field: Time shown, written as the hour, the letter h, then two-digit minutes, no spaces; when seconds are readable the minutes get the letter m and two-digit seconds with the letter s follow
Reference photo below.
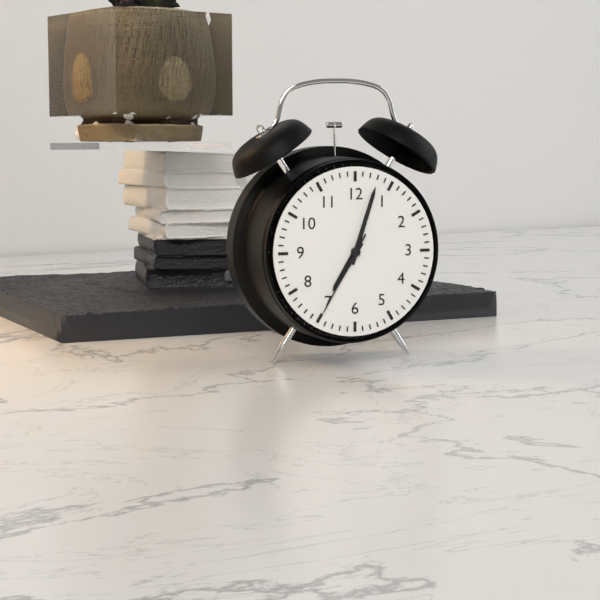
7h03m35s
